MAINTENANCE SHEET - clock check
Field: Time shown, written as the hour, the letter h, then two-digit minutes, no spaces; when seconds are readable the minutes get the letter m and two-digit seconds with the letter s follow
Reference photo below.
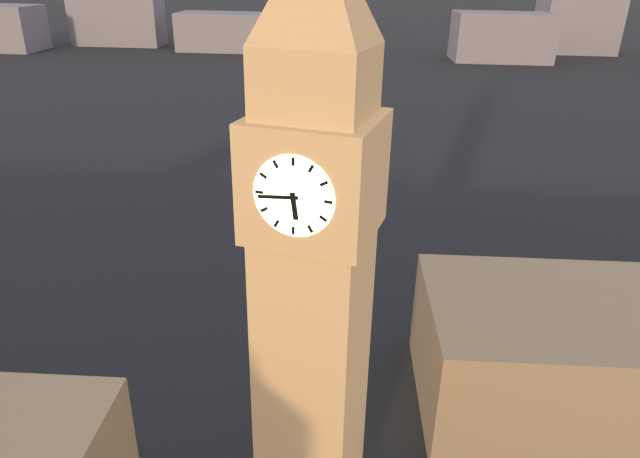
5h44
